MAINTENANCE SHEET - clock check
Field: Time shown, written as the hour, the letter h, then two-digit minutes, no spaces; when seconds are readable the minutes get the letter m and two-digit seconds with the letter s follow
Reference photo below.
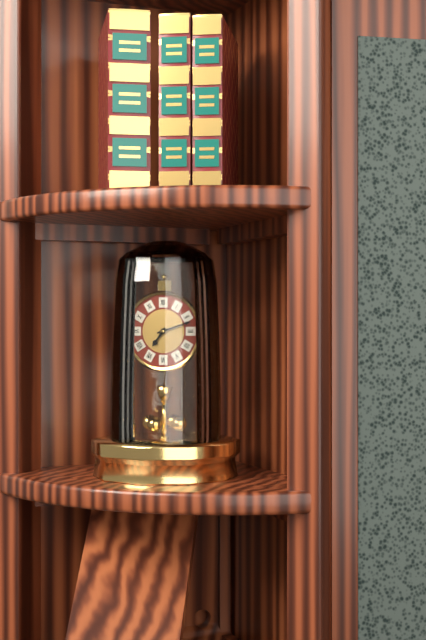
7h12
